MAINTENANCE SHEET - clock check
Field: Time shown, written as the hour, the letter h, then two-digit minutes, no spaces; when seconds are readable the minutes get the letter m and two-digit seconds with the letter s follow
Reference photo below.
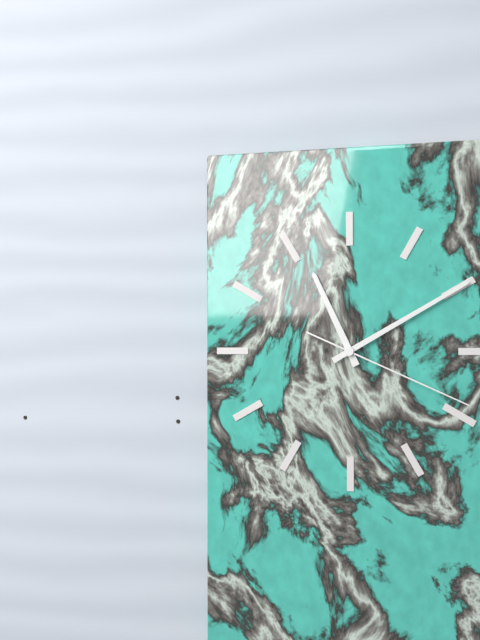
11h10m19s
